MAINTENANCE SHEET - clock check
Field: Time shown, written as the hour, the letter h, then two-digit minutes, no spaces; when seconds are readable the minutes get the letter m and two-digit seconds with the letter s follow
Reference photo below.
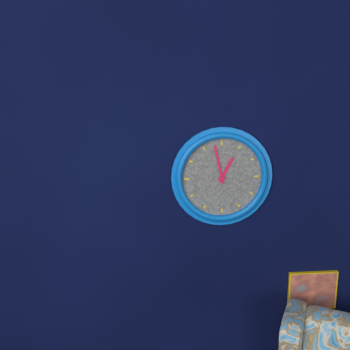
12h58
